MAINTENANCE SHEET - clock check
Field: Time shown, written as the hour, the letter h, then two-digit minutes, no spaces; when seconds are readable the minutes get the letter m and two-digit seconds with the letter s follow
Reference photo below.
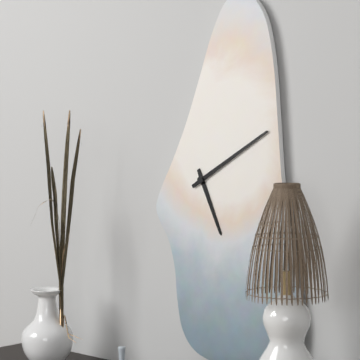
5h10
